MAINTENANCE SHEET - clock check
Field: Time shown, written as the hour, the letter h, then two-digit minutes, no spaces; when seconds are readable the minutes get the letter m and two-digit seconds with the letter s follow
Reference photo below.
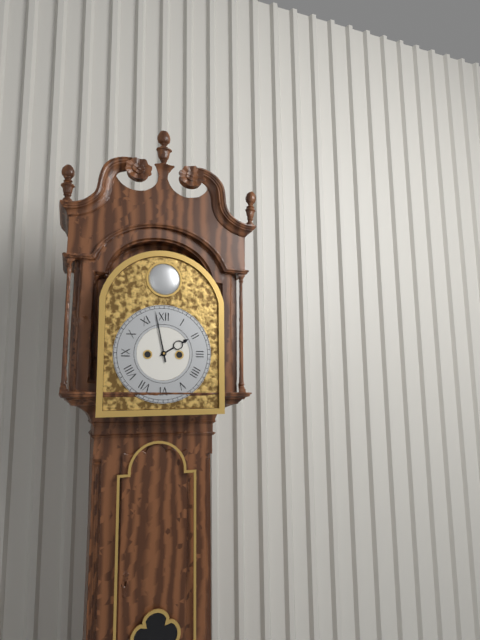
1h58
